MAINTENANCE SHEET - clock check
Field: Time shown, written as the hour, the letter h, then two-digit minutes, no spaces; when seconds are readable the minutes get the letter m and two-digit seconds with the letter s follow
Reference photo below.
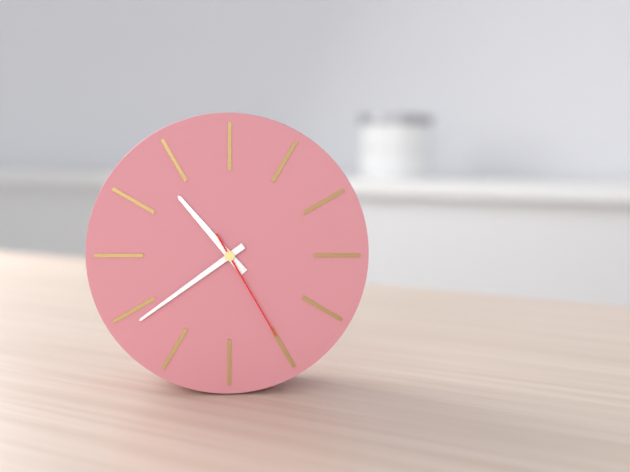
10h39m25s
